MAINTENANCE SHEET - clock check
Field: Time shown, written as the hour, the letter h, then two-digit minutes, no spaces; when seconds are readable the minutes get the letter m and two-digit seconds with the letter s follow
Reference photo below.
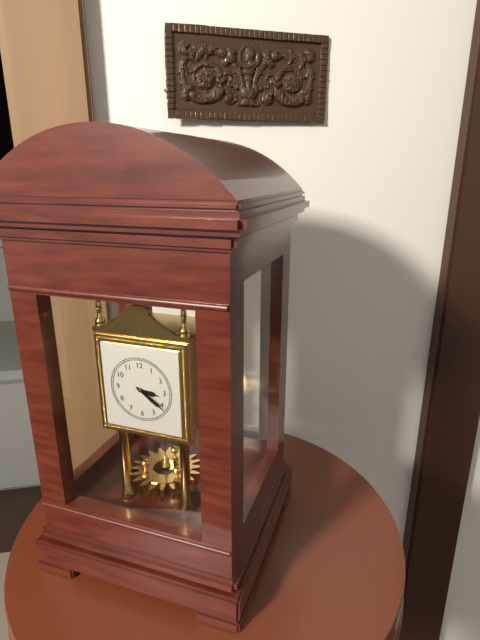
3h21
